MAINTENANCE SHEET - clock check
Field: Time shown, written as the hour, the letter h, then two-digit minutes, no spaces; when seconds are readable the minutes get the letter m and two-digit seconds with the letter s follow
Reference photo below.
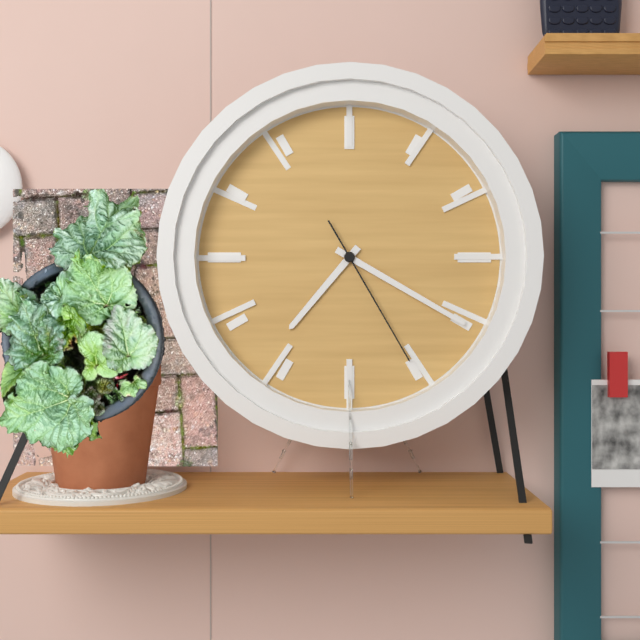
7h20m25s
